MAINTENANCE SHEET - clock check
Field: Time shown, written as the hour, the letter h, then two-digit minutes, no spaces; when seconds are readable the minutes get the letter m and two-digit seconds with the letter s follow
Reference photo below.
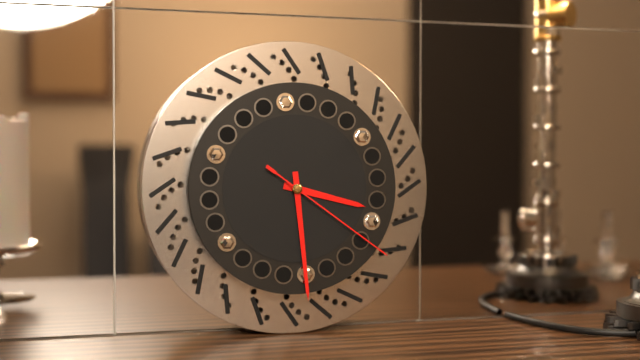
3h29m21s
